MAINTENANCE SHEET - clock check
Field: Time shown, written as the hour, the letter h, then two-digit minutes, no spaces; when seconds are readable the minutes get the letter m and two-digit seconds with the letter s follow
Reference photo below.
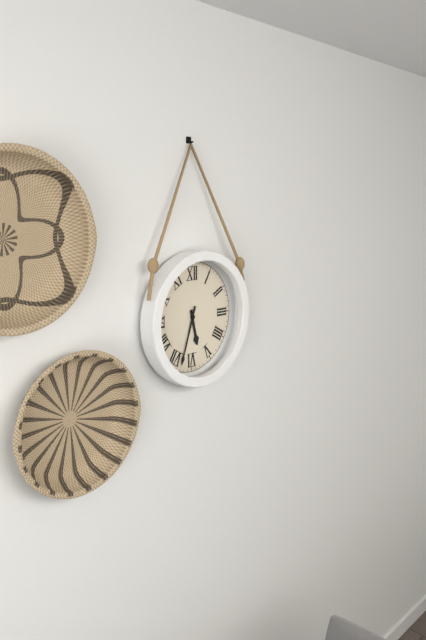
5h33
